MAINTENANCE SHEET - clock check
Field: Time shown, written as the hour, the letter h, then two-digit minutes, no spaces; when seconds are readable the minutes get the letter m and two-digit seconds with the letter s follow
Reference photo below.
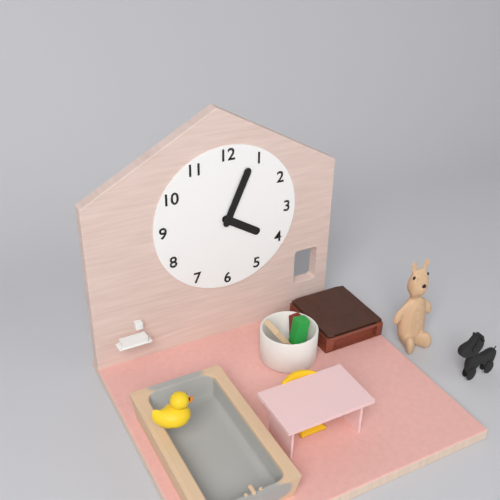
4h04
